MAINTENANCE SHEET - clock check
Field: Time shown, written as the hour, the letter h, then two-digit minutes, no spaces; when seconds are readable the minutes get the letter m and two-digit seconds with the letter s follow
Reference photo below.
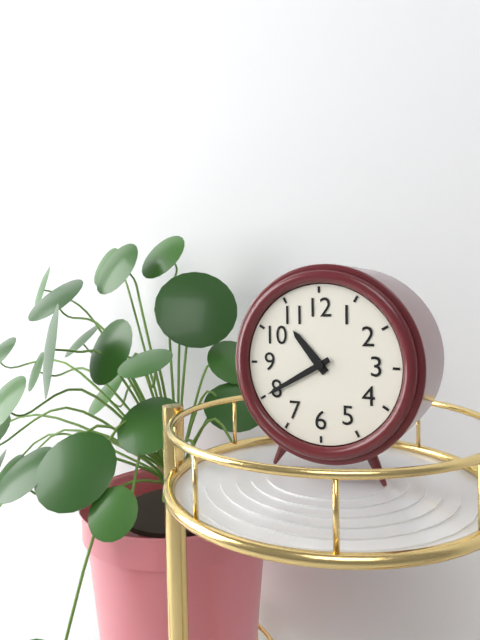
10h40
